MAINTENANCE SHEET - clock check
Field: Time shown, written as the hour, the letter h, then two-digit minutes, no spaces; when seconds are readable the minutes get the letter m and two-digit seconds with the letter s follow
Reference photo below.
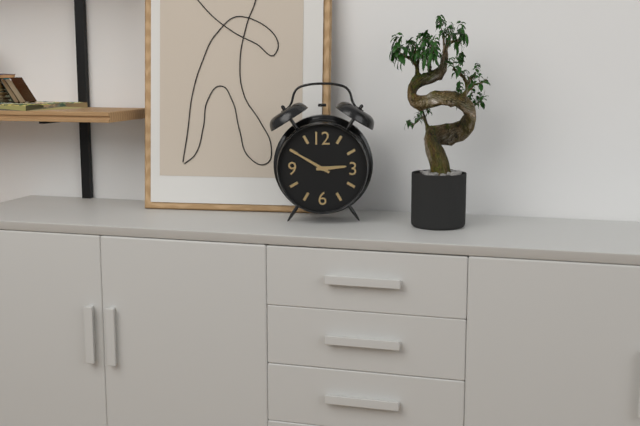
2h50
